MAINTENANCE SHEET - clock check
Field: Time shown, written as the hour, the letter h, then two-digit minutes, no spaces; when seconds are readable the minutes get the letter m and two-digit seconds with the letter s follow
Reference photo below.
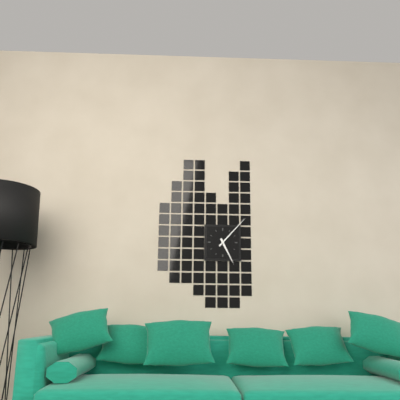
5h07
